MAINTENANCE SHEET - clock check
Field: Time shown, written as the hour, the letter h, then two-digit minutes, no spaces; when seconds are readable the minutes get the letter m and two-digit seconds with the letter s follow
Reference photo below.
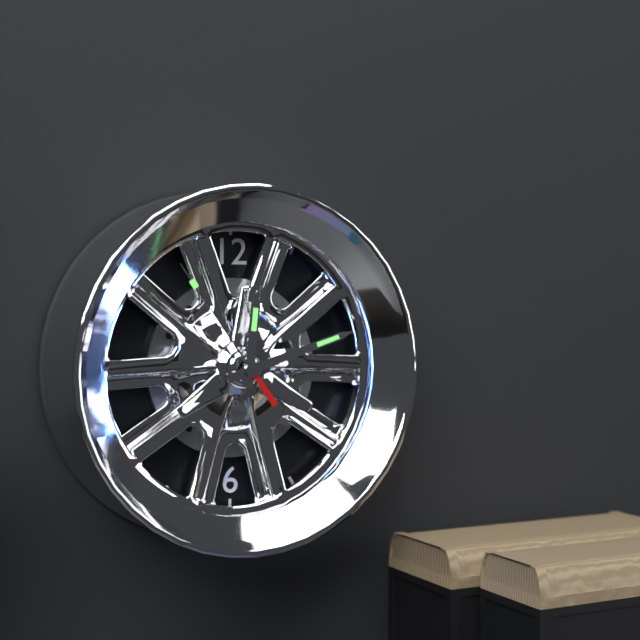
12h12m54s
